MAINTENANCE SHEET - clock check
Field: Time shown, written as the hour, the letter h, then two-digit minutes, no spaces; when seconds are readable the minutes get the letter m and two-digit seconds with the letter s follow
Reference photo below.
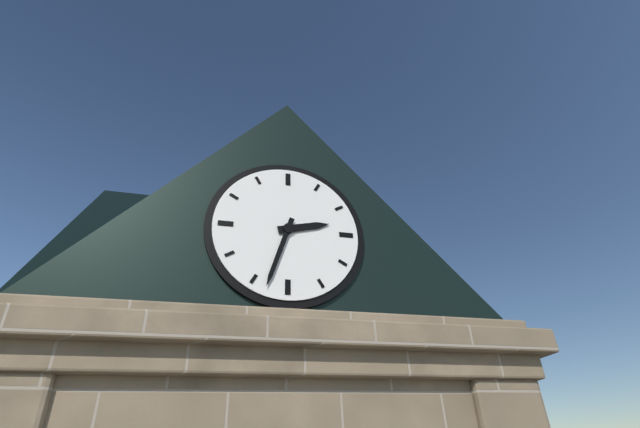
2h33
